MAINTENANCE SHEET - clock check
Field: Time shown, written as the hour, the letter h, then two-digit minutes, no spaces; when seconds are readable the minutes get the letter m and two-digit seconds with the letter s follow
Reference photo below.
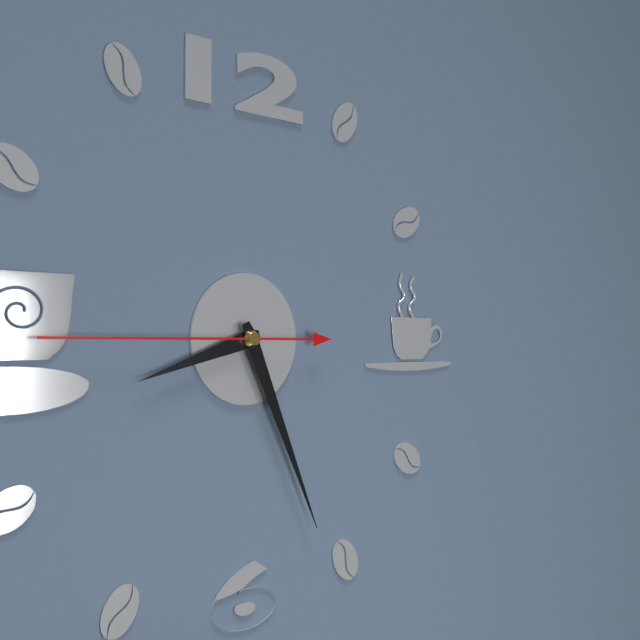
8h26m45s
